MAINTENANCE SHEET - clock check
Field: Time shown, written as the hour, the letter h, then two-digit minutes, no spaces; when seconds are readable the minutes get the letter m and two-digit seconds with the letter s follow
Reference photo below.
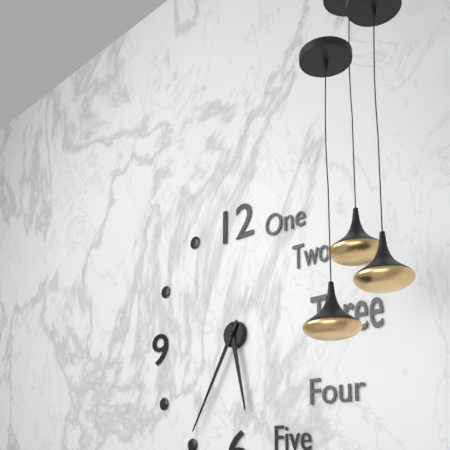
5h35
